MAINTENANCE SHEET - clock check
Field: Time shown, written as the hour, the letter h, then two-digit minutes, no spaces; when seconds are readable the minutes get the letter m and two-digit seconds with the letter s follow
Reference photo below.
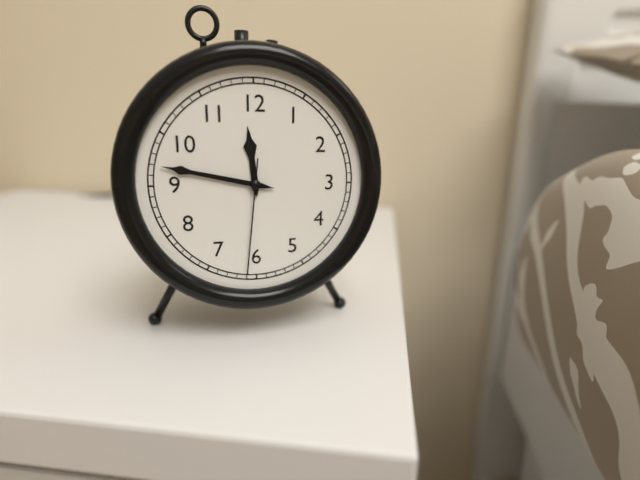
11h47m31s
